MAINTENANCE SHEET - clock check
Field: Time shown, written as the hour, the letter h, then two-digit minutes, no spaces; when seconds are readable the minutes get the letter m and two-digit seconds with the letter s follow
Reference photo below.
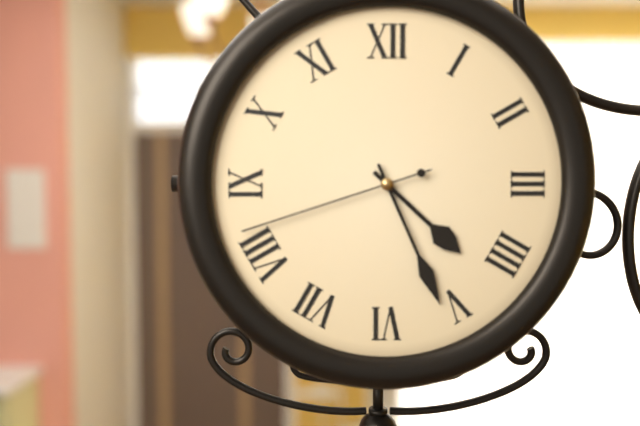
4h26m42s
